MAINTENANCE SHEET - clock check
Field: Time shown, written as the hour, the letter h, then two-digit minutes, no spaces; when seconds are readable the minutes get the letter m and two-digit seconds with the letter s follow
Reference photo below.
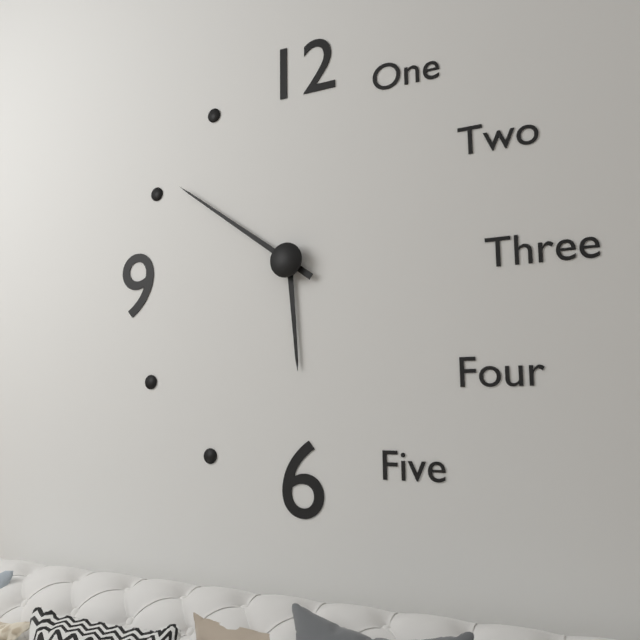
5h51
